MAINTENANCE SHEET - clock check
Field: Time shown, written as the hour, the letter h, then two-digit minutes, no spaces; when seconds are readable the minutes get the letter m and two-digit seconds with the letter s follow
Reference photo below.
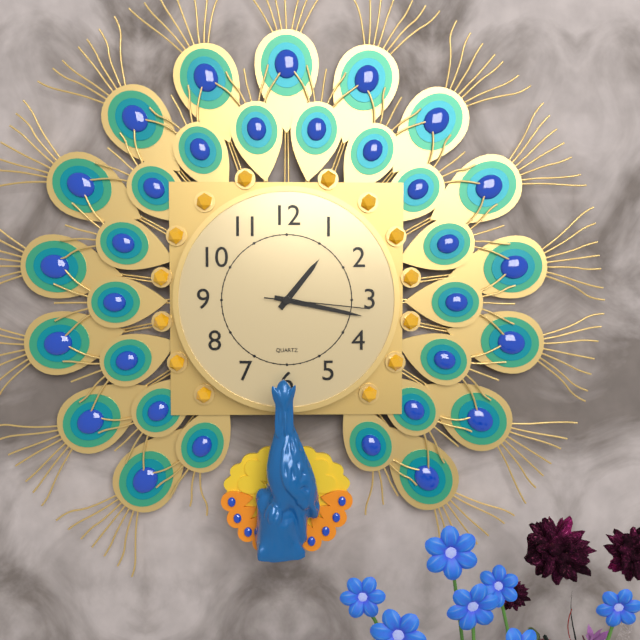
1h17m16s
